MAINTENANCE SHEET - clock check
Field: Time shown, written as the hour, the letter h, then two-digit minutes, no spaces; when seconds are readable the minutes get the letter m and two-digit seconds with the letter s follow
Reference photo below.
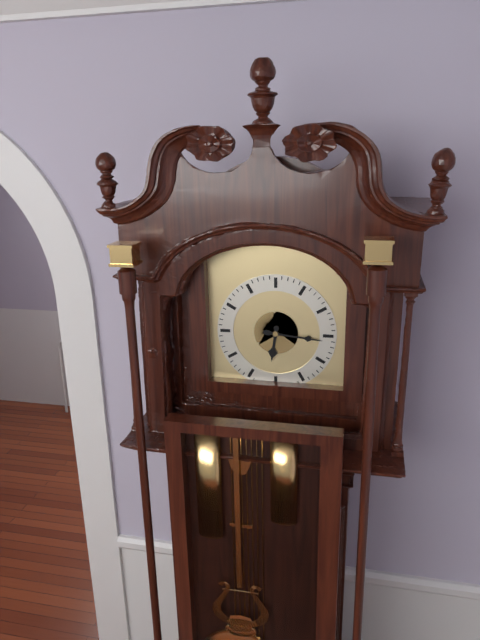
6h16
